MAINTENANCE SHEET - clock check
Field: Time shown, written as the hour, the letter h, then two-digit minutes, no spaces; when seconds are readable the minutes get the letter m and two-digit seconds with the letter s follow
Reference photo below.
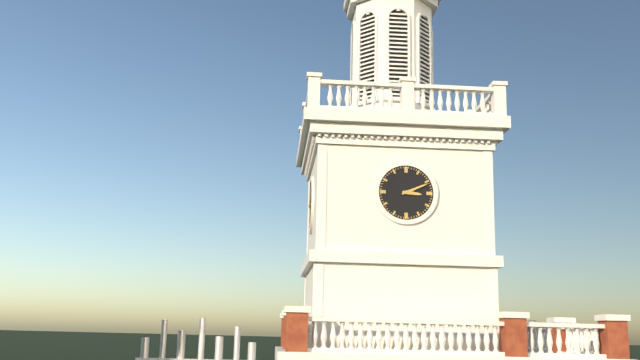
3h11
